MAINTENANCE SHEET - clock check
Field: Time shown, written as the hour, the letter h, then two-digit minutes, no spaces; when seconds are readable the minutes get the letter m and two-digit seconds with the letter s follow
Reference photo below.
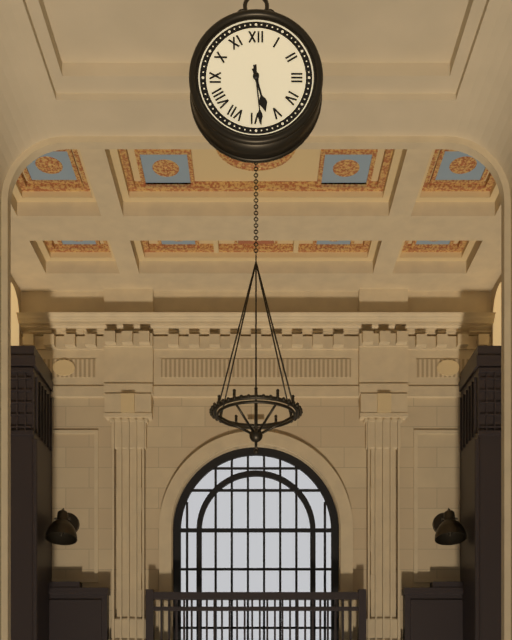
5h29
